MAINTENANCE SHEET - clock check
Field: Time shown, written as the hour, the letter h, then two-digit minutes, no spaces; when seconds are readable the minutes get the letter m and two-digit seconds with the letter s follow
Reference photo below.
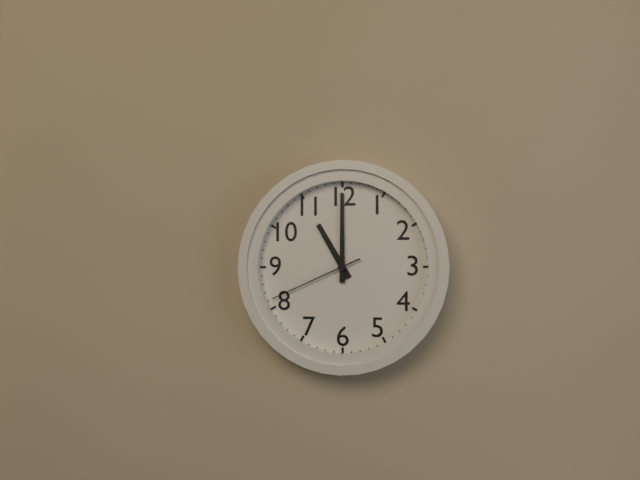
11h00m41s
